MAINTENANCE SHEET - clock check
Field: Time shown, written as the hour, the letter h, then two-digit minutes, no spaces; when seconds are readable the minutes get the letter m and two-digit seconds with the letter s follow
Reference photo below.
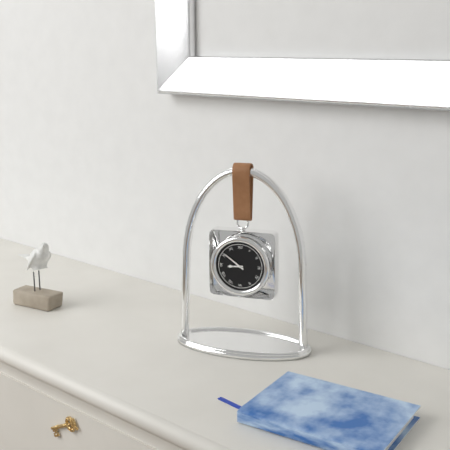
8h51
